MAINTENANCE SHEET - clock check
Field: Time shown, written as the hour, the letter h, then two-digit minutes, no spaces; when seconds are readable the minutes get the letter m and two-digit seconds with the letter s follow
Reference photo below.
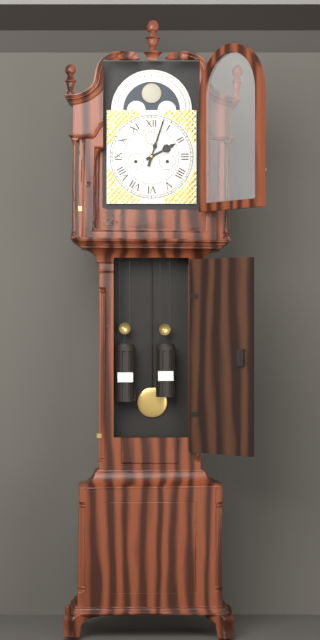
2h03
